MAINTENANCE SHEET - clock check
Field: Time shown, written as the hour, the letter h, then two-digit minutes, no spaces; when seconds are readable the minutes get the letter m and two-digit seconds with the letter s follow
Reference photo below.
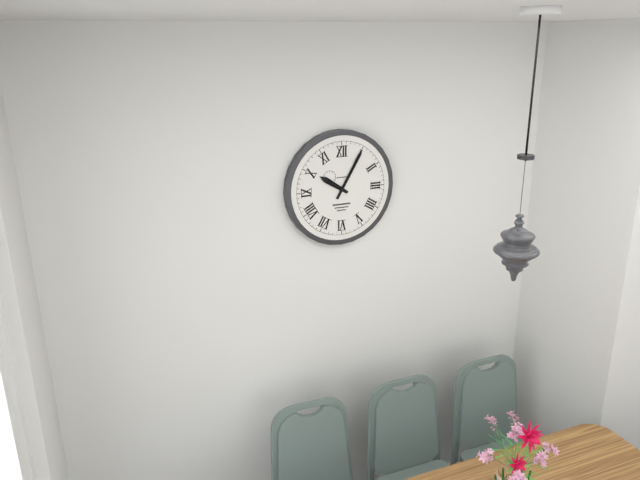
10h05
